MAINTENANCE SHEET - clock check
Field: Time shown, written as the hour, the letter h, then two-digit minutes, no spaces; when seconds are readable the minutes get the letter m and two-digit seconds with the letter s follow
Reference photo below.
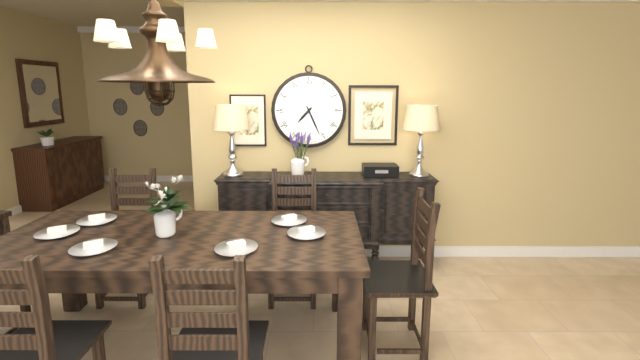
7h26
